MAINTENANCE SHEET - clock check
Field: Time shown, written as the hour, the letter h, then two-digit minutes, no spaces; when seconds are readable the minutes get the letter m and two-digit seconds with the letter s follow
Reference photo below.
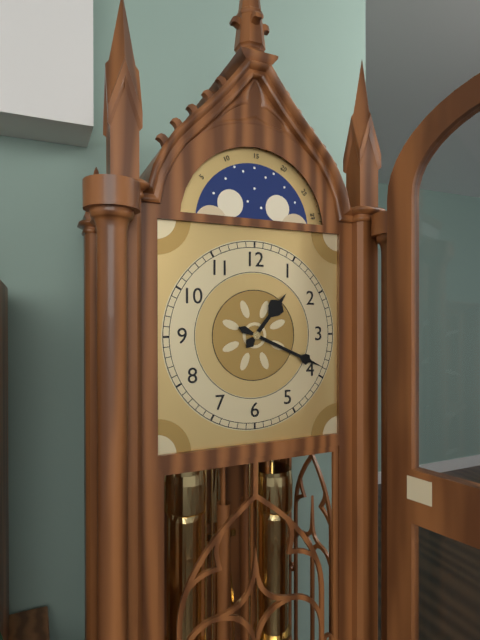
1h19
